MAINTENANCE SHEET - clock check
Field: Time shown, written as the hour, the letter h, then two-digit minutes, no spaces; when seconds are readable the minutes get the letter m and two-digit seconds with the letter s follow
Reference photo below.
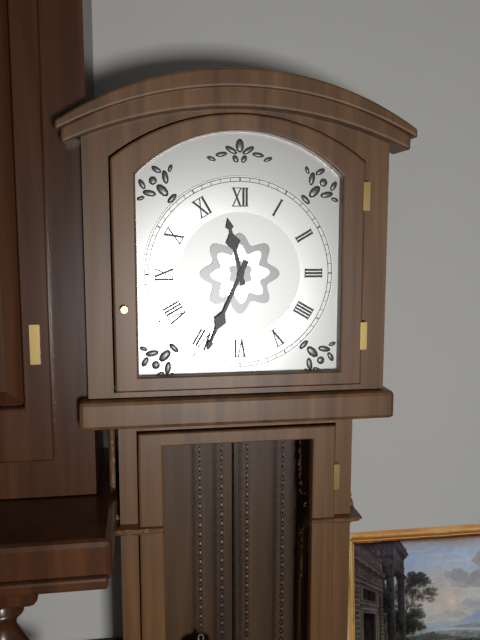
11h34
